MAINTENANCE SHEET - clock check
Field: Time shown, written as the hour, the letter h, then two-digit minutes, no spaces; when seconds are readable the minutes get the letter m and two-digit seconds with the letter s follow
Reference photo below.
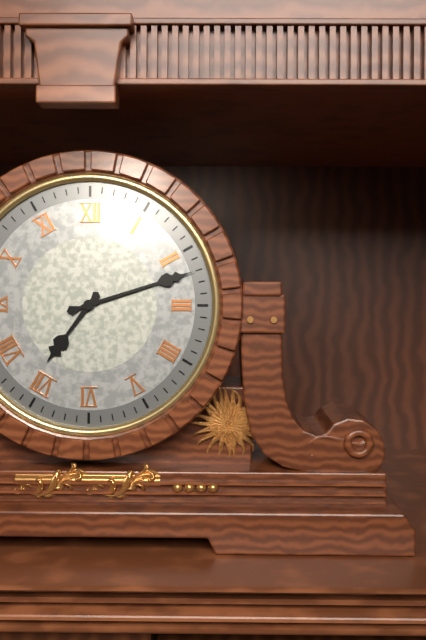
7h12
